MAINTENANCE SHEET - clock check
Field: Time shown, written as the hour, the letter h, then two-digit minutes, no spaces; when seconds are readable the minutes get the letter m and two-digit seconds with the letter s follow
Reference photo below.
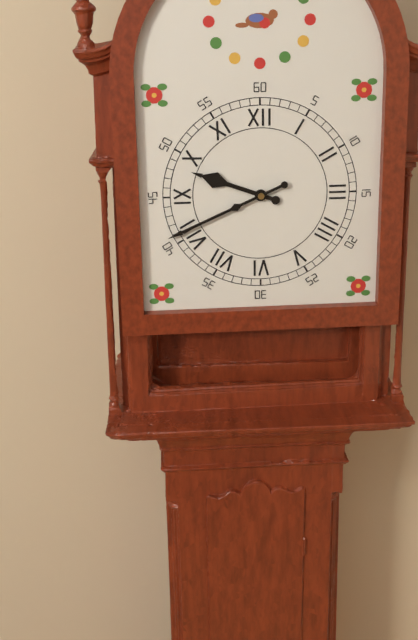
9h41
